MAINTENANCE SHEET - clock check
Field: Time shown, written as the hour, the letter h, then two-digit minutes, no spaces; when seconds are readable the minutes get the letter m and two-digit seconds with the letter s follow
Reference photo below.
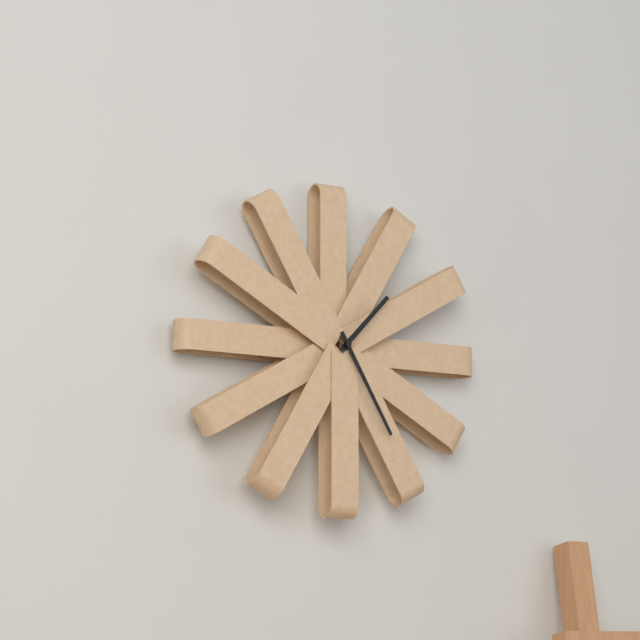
1h25
